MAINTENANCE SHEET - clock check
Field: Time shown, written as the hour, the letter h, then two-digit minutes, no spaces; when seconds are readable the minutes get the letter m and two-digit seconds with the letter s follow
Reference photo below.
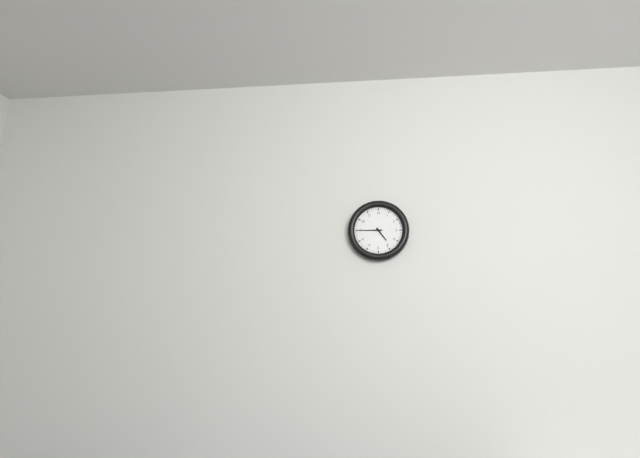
4h45
